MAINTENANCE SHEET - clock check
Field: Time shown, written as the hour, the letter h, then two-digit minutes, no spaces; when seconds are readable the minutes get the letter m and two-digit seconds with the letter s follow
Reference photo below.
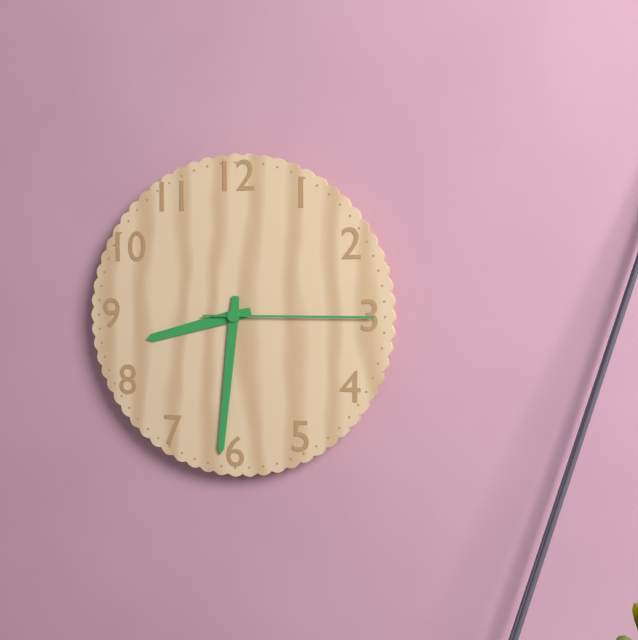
8h31m15s
